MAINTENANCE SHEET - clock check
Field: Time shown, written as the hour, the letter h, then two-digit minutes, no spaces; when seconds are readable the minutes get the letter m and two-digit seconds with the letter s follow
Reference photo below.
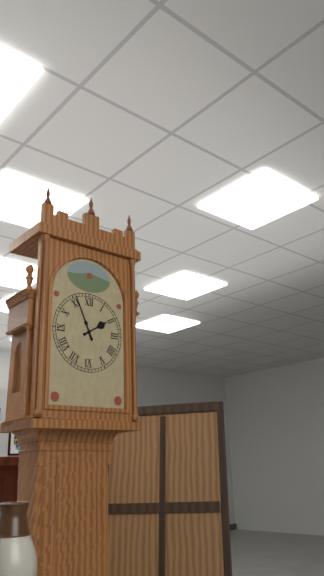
1h56
